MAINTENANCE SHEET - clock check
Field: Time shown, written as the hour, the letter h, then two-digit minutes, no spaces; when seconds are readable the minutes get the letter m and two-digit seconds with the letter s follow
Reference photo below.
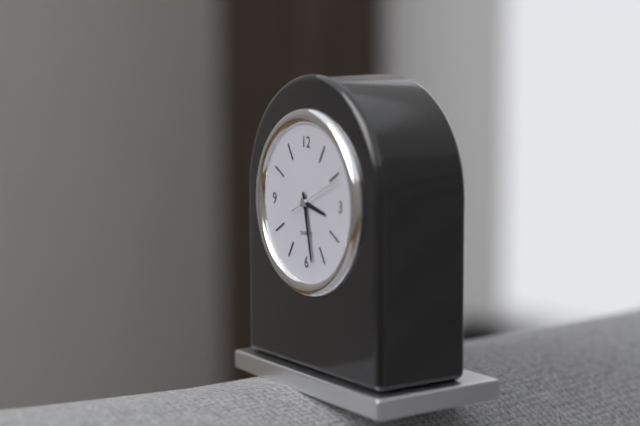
3h28
